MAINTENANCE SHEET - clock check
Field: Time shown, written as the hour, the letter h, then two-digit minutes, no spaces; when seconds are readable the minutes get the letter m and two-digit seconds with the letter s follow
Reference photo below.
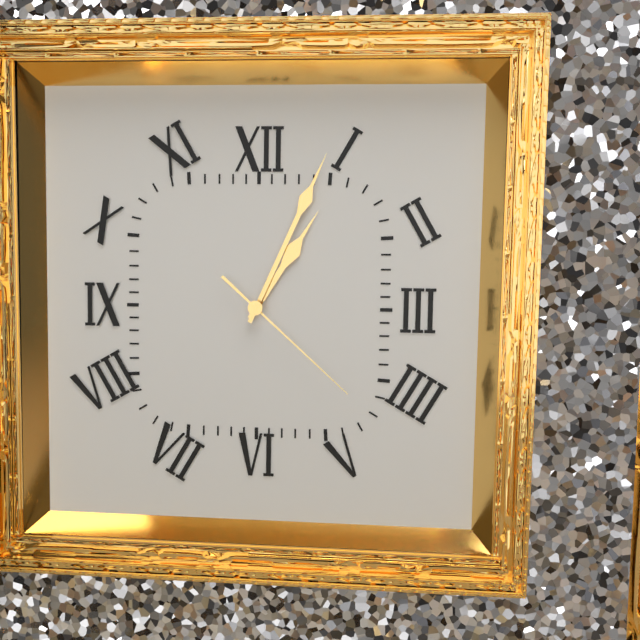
1h04m22s
